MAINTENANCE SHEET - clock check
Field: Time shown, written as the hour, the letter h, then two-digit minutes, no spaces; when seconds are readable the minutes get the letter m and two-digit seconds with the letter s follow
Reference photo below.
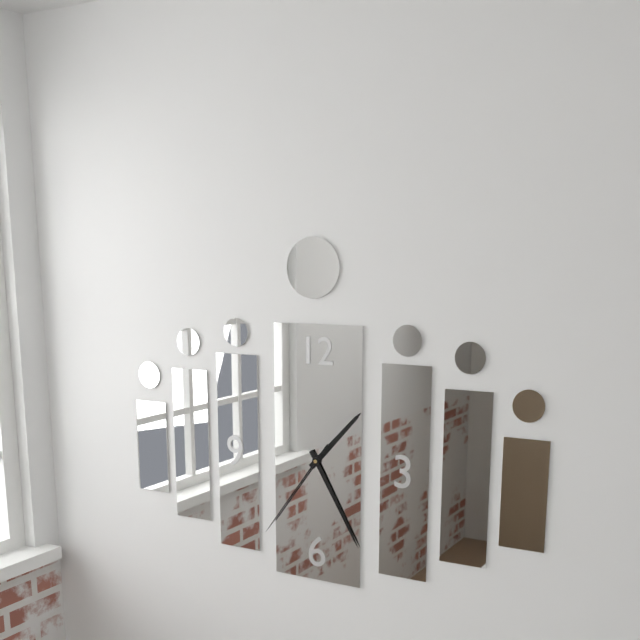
1h25m36s
